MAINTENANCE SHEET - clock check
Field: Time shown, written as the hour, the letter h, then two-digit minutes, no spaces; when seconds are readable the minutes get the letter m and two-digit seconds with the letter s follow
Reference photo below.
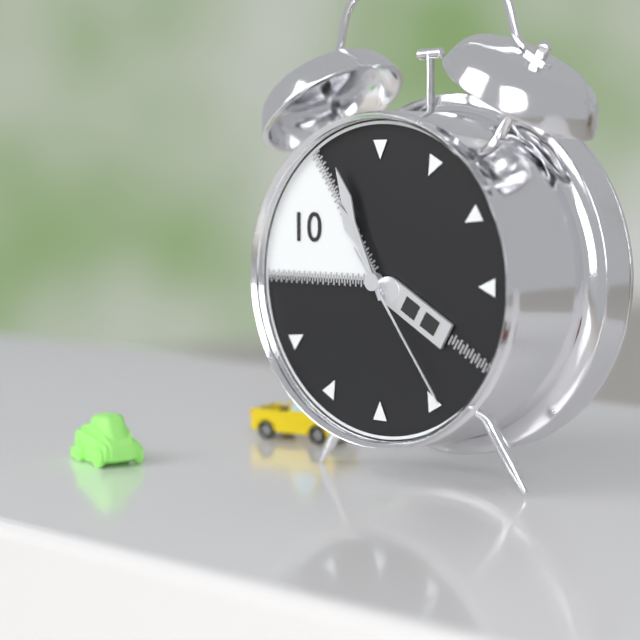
10h56m24s
